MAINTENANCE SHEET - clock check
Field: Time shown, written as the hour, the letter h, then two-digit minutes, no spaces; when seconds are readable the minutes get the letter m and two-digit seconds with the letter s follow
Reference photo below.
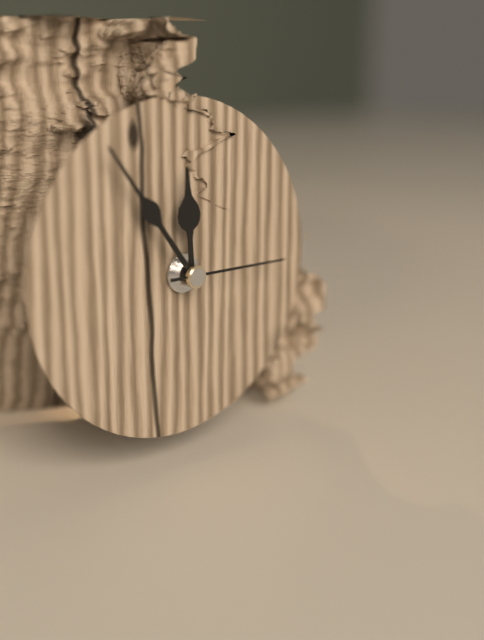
11h54m15s
